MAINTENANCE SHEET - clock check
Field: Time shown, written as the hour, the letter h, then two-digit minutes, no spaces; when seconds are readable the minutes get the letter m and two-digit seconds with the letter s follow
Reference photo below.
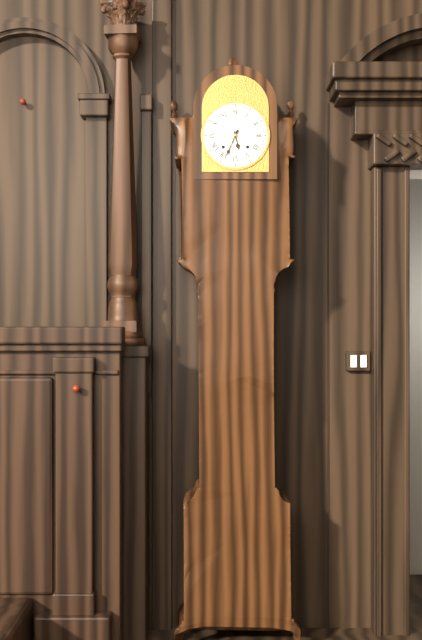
5h34
